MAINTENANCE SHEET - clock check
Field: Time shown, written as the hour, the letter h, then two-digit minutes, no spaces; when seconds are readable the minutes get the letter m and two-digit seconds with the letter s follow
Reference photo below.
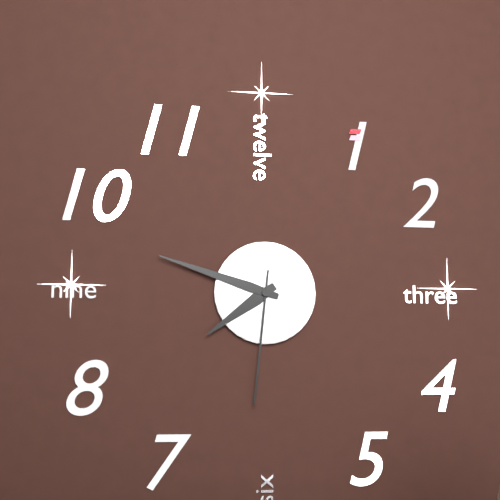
7h48m31s
